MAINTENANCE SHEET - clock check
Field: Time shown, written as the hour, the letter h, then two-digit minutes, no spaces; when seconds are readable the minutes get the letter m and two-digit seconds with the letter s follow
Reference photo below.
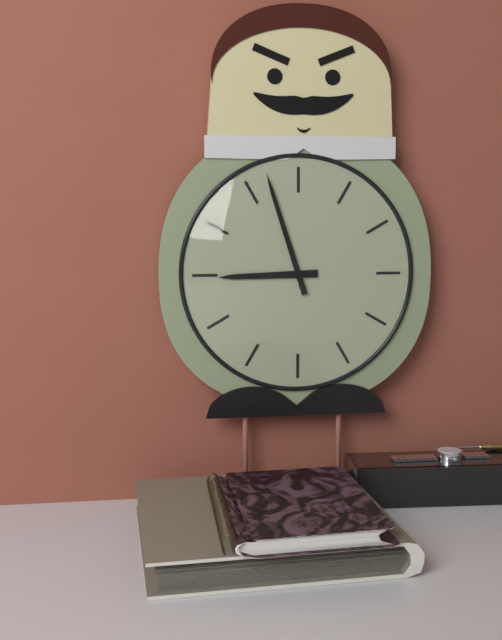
8h57
